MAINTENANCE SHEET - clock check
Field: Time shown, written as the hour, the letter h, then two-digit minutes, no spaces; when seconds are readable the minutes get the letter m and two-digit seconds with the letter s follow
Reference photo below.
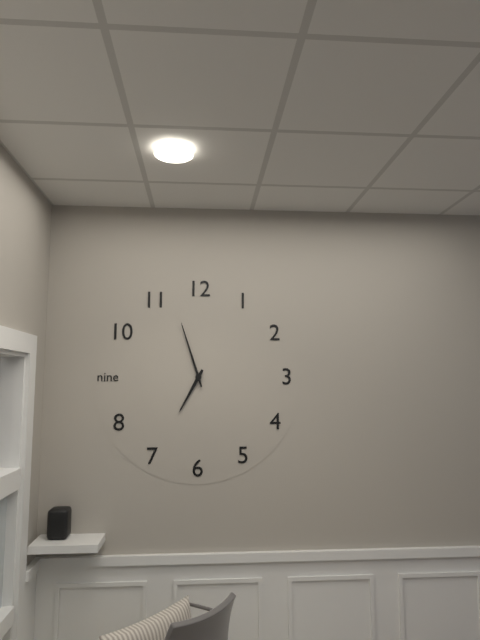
6h57
